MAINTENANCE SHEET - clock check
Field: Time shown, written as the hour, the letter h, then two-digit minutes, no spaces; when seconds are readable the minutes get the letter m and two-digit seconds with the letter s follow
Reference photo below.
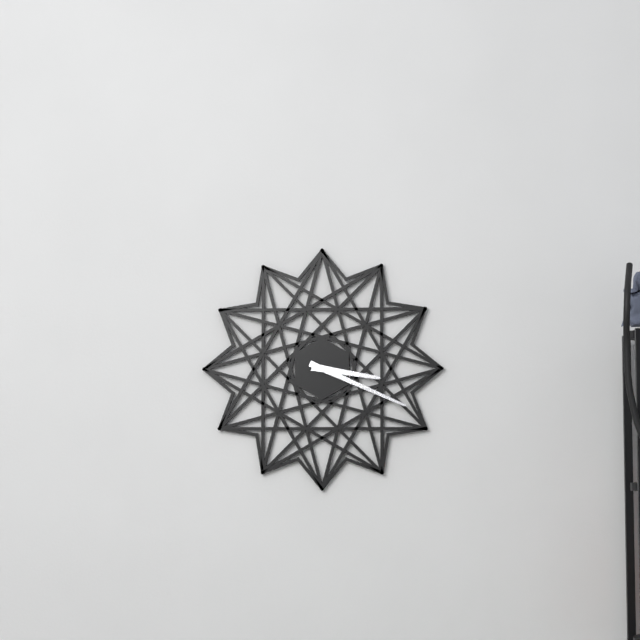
3h19
